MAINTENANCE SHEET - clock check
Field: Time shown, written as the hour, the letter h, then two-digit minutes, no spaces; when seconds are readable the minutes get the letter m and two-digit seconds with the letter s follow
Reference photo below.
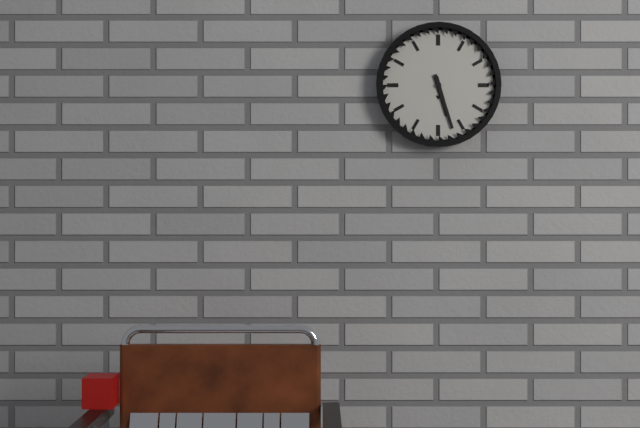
5h27
